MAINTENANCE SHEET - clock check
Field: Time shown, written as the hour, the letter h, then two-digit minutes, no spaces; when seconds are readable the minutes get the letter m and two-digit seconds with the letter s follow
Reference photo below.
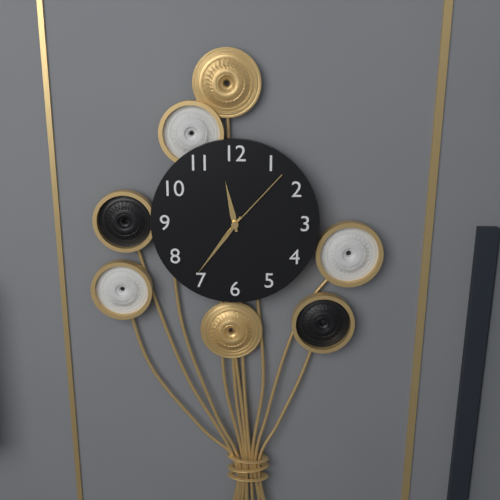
11h36m07s
